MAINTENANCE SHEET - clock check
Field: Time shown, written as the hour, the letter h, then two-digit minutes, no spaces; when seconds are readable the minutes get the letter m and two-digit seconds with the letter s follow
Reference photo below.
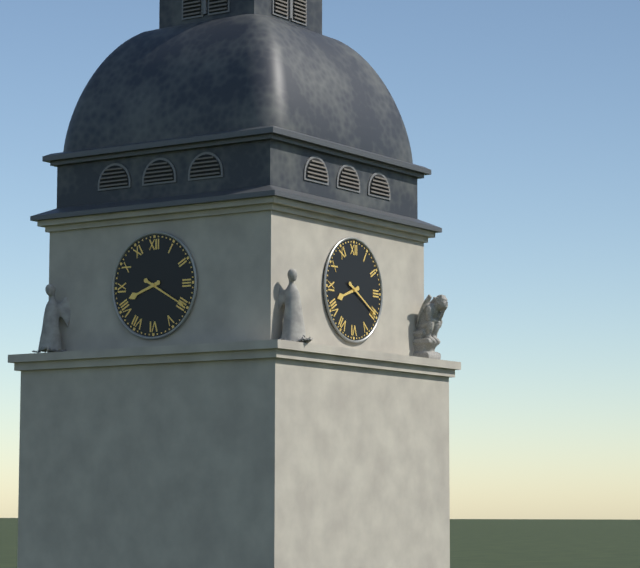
8h20
